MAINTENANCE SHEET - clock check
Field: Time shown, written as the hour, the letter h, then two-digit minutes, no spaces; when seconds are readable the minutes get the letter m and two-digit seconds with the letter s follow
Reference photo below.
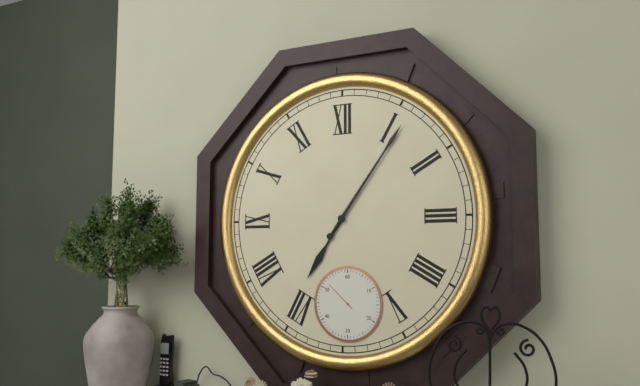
7h06
